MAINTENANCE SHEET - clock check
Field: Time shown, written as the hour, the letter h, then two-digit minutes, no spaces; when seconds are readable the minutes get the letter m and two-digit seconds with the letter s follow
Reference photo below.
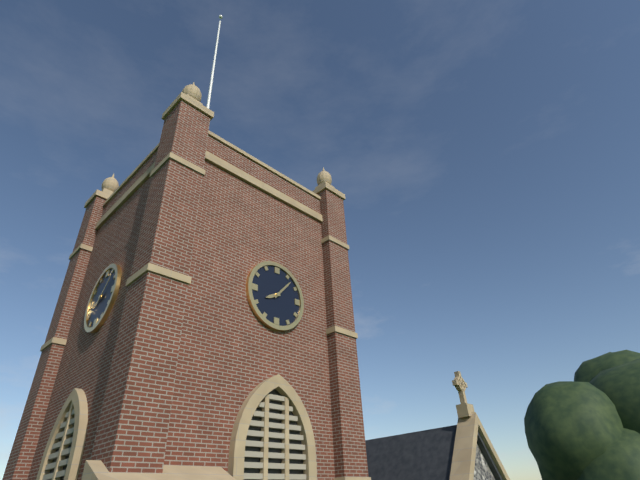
8h07
